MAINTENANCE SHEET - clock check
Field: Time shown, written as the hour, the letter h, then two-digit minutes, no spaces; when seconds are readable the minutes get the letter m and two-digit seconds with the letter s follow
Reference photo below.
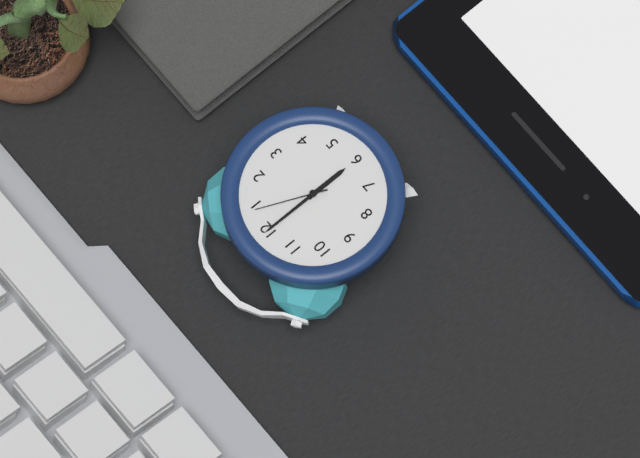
6h00m04s
